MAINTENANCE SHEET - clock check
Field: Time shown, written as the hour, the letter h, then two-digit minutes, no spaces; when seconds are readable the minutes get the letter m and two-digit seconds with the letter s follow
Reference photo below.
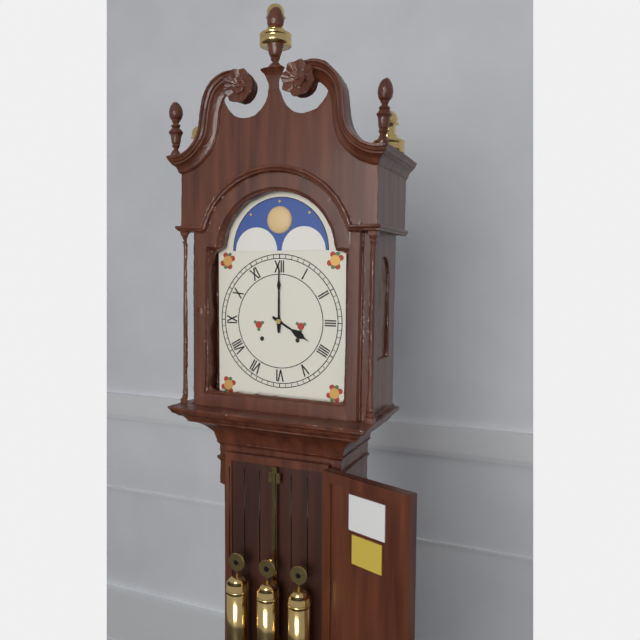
4h00
